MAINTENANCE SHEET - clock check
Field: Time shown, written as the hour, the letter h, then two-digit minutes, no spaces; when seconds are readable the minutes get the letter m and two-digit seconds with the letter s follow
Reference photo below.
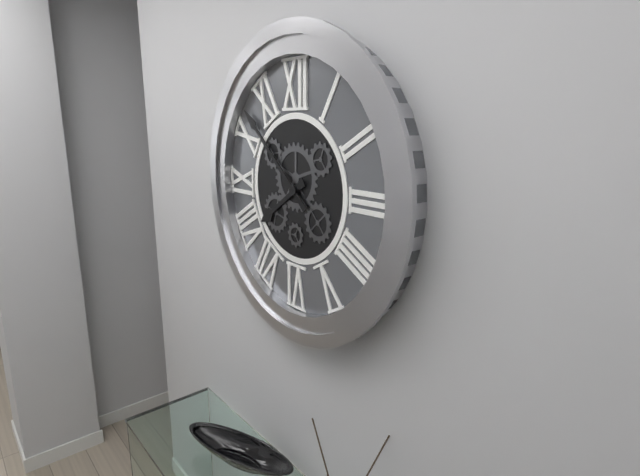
7h52
